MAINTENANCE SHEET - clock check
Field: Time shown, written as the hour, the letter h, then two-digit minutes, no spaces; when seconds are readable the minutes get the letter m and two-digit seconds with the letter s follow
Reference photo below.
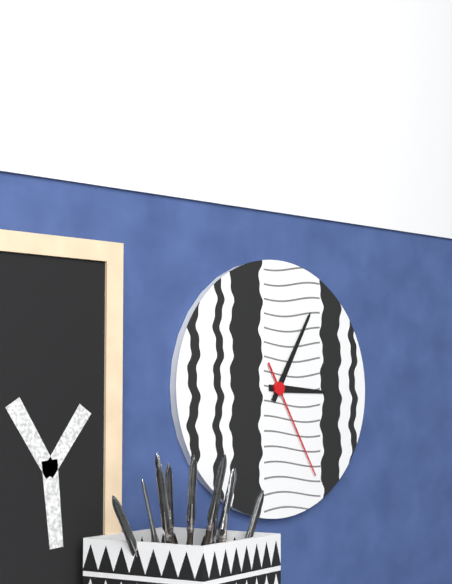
3h05m25s
